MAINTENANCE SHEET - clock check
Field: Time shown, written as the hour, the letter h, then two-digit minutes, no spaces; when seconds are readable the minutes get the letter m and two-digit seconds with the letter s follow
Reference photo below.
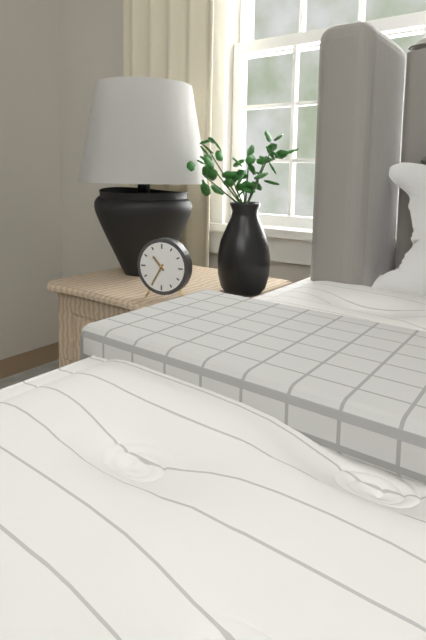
10h35
